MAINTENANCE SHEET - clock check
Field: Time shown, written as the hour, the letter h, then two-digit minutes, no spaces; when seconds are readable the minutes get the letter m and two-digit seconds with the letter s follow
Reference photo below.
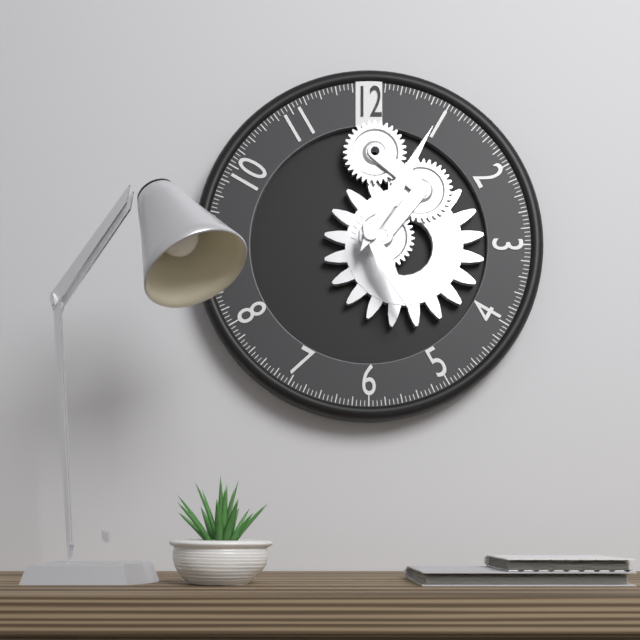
5h05
